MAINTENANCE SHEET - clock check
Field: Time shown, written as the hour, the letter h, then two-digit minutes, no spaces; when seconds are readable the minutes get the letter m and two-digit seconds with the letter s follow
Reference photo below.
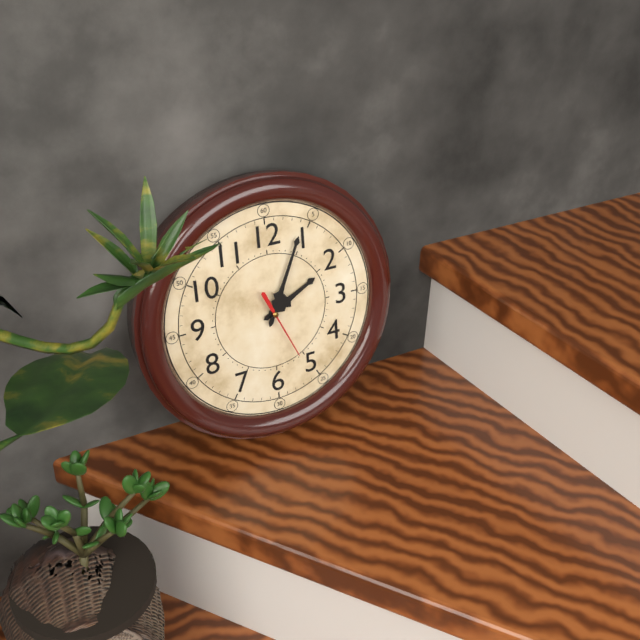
2h04m26s
